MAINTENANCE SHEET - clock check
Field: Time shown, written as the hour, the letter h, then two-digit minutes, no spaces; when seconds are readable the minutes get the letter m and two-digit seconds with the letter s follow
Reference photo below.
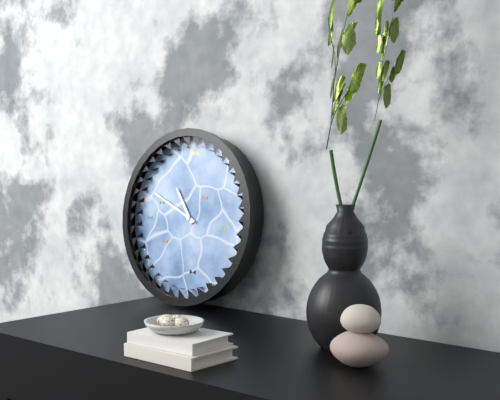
10h49
